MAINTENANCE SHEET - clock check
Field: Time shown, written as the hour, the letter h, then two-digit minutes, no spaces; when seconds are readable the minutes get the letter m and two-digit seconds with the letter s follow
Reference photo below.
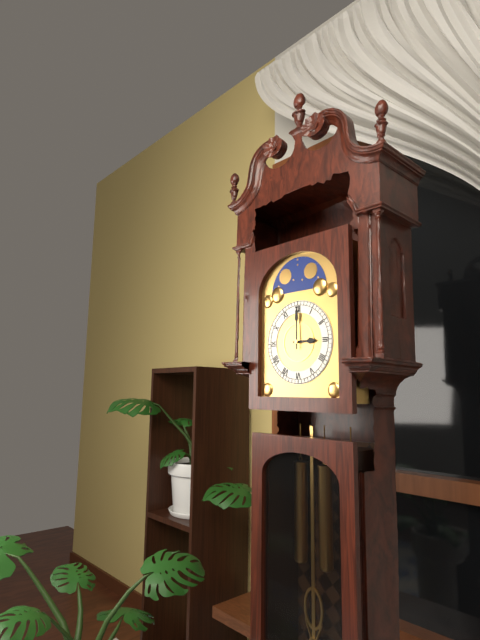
3h00
